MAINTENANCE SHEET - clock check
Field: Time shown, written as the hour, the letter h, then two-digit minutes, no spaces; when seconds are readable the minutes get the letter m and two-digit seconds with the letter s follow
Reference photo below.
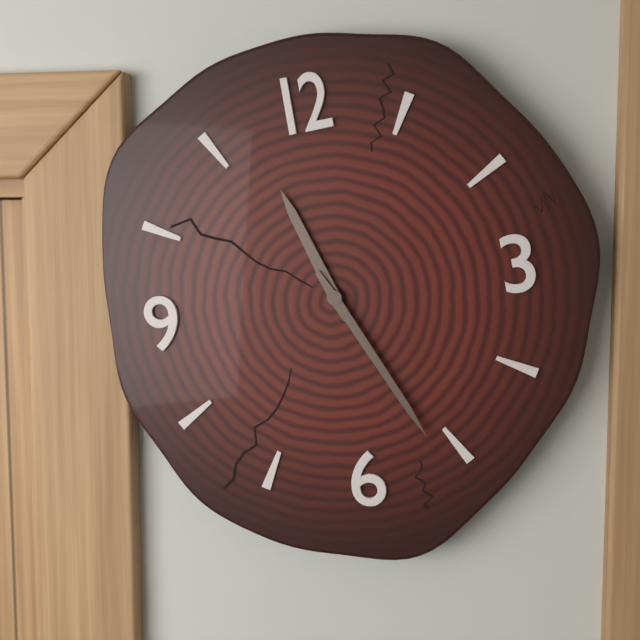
11h26
